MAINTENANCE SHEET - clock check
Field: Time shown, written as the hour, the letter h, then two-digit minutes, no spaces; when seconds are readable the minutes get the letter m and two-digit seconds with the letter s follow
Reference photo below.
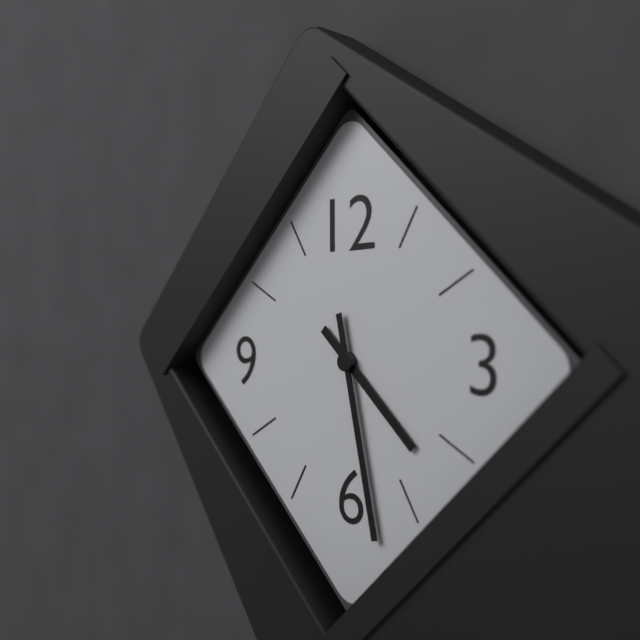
4h28
